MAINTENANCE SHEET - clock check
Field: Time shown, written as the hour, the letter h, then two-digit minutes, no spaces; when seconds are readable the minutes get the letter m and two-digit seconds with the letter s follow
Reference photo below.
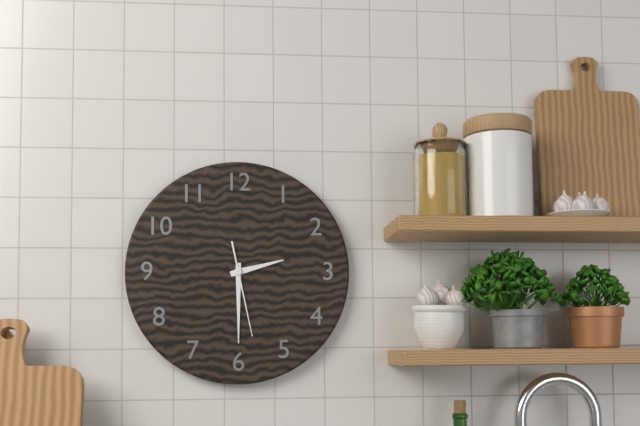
2h30m28s
